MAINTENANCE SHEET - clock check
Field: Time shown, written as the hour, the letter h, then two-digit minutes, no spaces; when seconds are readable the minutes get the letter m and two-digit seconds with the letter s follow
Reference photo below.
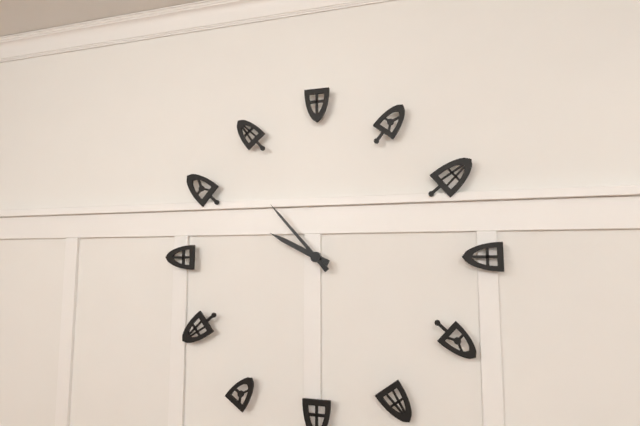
9h53
